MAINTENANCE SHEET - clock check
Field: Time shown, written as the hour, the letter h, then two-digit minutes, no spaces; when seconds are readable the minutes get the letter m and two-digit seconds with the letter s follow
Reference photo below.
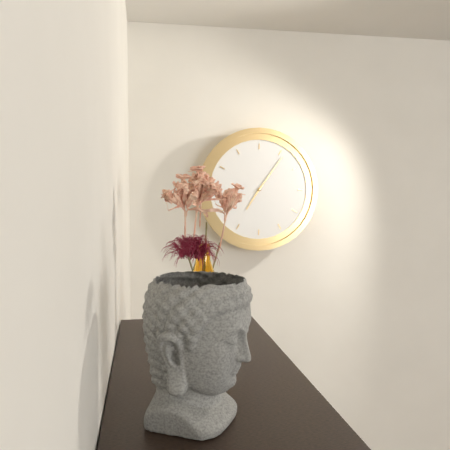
7h06
